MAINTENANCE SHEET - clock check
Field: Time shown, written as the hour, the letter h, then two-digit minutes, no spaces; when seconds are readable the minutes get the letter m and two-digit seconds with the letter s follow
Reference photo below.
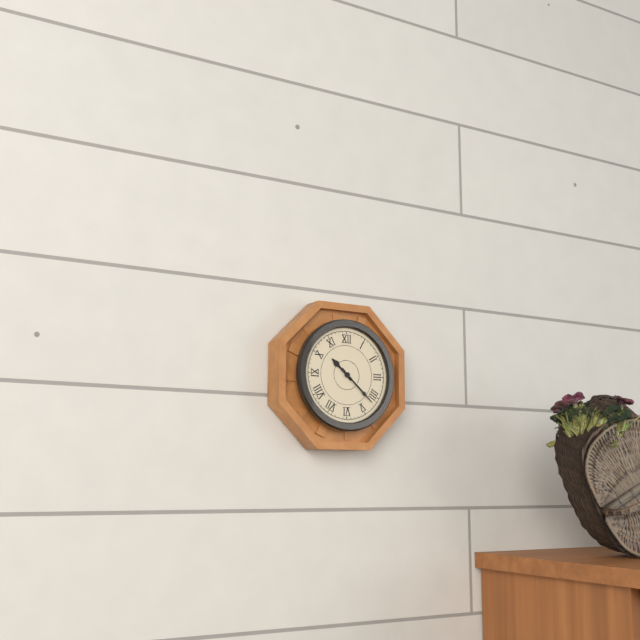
10h22
